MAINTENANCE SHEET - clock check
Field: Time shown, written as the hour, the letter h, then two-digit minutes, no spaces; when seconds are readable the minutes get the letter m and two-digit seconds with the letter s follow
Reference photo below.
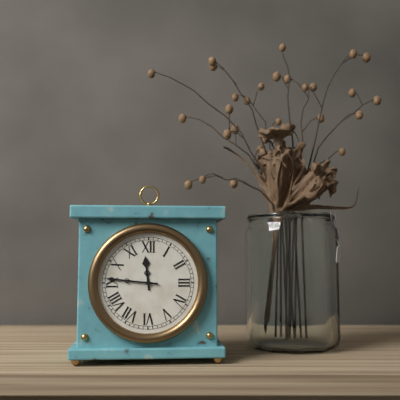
11h46
